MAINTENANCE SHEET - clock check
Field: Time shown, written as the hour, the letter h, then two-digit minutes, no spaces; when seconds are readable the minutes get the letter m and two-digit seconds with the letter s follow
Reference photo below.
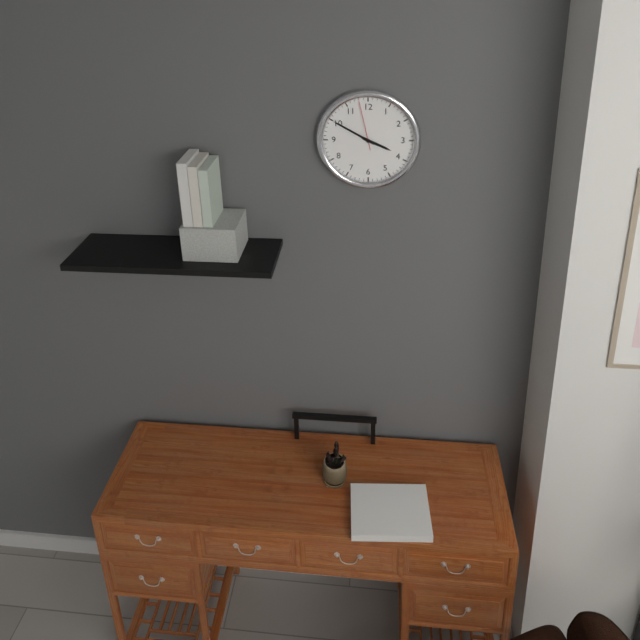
3h50m58s
